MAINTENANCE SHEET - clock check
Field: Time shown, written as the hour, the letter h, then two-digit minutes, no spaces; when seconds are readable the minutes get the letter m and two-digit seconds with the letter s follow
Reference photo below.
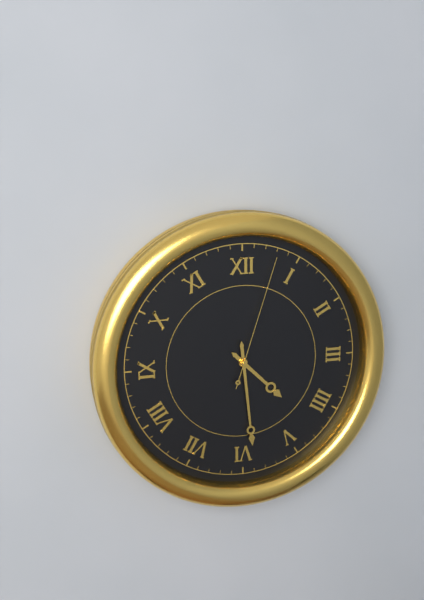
4h29m03s
